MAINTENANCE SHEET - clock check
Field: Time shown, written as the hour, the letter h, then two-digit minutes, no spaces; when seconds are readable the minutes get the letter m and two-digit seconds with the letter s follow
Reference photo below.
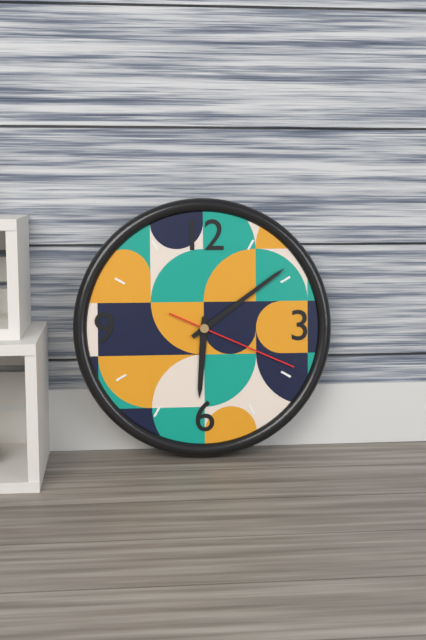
6h09m19s
